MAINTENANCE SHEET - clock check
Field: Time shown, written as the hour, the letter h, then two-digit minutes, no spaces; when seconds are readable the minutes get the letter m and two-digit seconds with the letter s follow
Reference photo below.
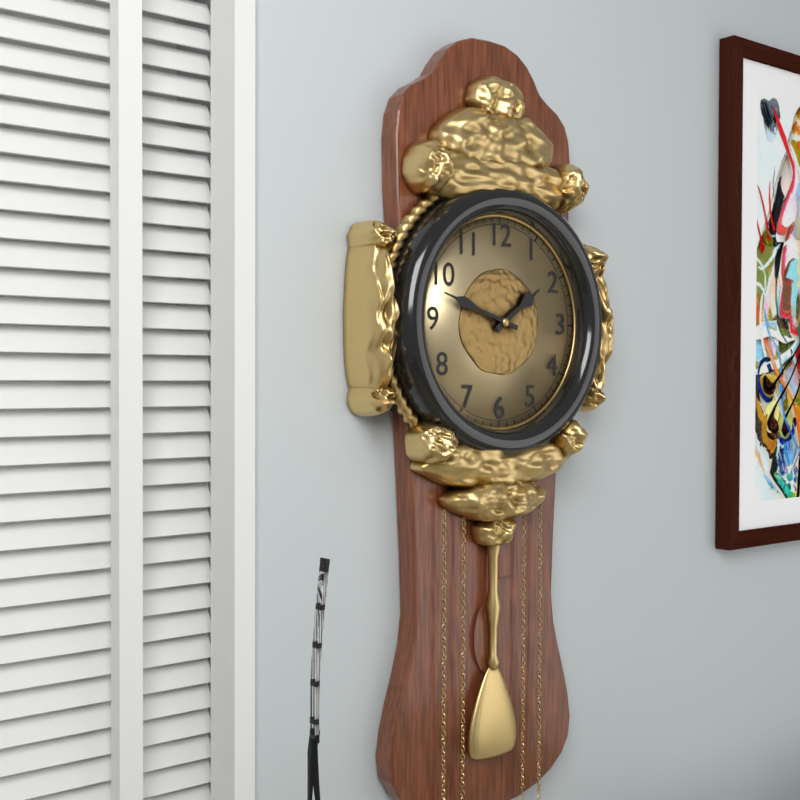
1h48
